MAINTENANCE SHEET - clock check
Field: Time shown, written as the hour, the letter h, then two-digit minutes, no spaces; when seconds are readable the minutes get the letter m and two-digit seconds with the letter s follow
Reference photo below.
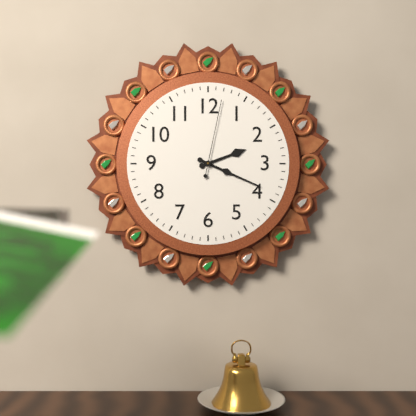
2h19m02s
